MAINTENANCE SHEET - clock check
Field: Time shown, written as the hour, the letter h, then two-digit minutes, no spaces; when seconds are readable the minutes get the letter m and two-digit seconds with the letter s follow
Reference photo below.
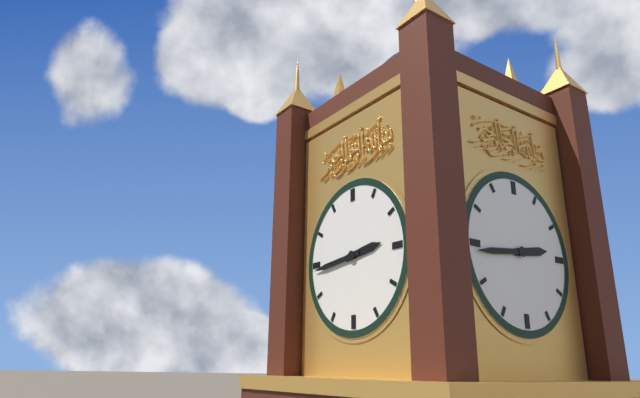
2h44
